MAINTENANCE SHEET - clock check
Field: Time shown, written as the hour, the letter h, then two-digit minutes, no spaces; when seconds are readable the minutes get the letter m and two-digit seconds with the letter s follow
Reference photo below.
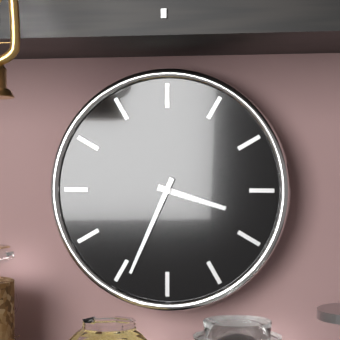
3h34
